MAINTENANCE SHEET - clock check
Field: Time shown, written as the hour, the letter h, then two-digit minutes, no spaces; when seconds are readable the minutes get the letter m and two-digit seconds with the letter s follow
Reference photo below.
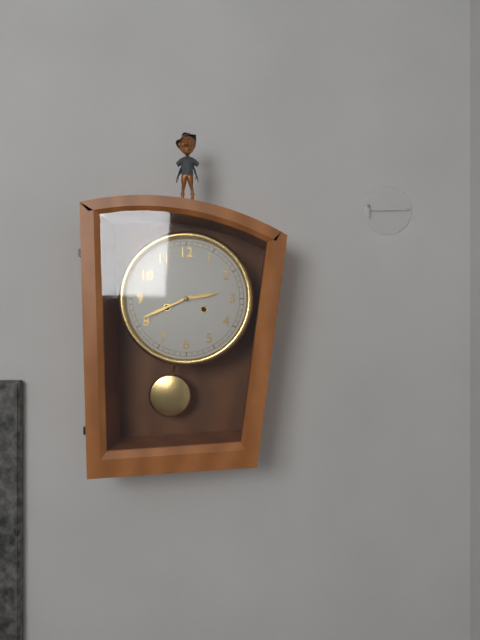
2h41
